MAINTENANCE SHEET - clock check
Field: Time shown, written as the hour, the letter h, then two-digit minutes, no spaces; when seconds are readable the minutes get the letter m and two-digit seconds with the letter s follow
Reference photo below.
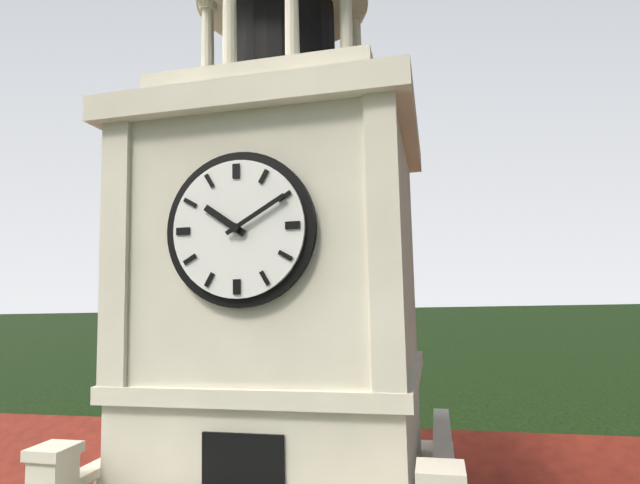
10h10
